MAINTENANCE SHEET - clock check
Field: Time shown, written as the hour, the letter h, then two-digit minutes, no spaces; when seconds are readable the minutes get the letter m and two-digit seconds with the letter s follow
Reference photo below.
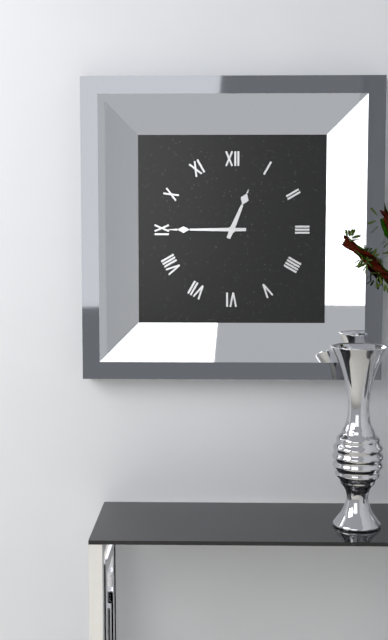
12h45
